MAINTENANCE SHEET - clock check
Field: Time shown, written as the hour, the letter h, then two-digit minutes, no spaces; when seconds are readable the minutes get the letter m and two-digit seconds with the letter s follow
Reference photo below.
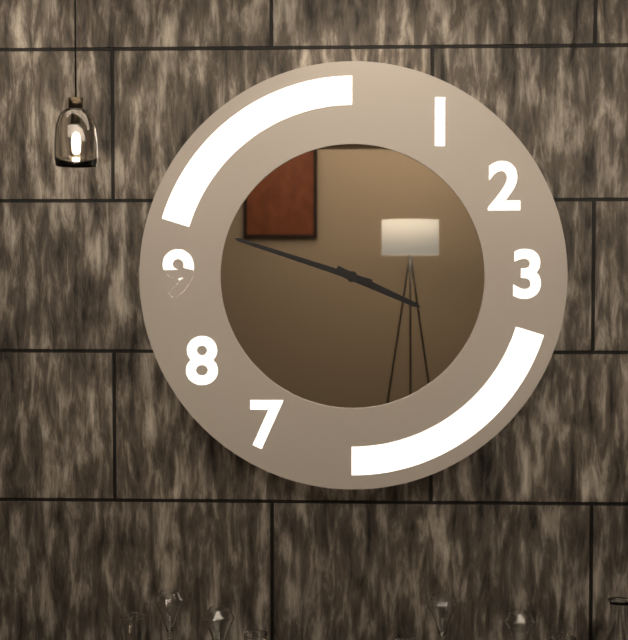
3h48
